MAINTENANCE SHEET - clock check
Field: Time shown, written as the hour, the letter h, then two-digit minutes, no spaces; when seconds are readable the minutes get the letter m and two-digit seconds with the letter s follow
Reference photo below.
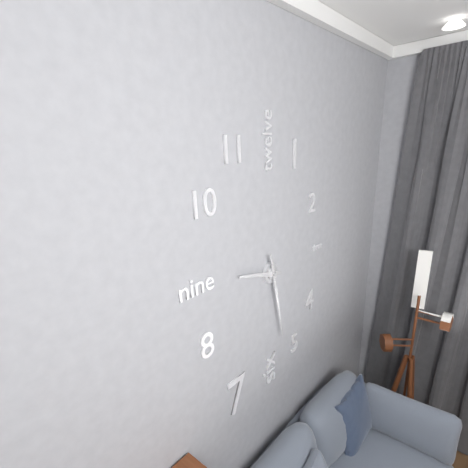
9h28
